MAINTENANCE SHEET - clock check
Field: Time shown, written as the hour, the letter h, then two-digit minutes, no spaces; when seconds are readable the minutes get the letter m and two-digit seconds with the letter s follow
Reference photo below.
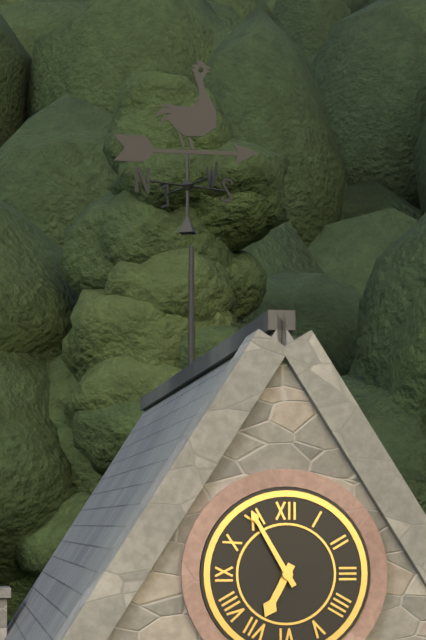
6h55
